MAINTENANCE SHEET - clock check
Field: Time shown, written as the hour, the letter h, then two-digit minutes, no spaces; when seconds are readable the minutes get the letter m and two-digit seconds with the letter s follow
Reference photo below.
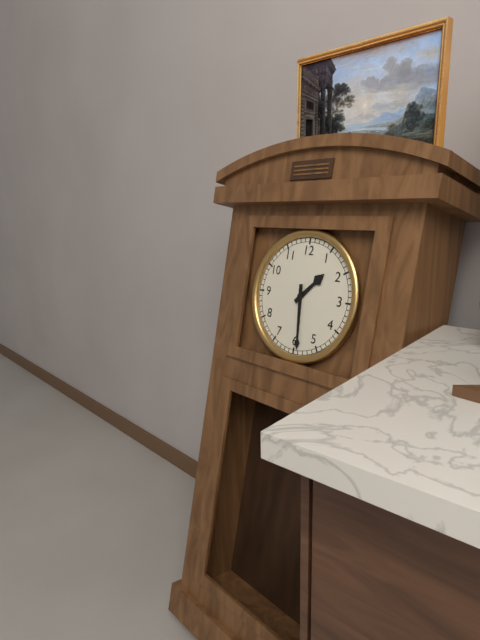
1h29
